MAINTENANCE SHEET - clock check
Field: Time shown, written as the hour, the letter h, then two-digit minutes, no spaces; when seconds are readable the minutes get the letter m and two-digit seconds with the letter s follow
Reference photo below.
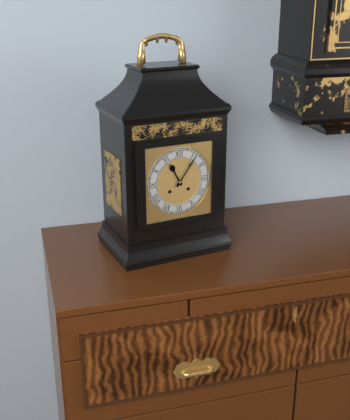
11h06
